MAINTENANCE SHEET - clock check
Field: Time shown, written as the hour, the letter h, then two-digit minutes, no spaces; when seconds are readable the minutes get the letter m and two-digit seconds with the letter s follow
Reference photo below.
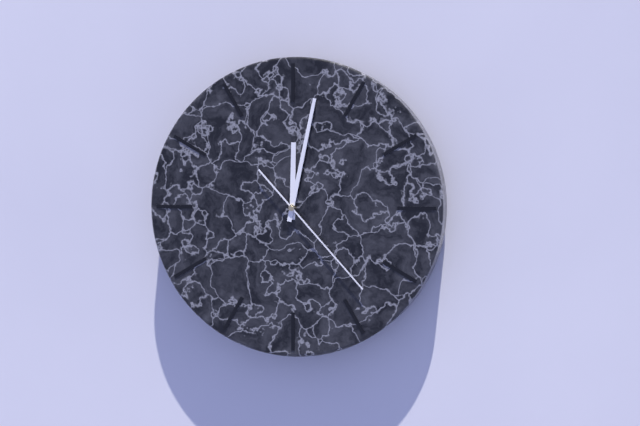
12h02m23s
